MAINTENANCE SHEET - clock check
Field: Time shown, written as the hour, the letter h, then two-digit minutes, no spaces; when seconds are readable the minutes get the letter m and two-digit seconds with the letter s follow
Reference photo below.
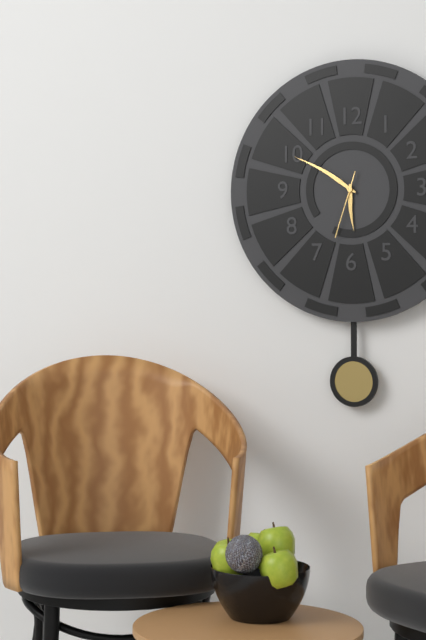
5h50m33s
